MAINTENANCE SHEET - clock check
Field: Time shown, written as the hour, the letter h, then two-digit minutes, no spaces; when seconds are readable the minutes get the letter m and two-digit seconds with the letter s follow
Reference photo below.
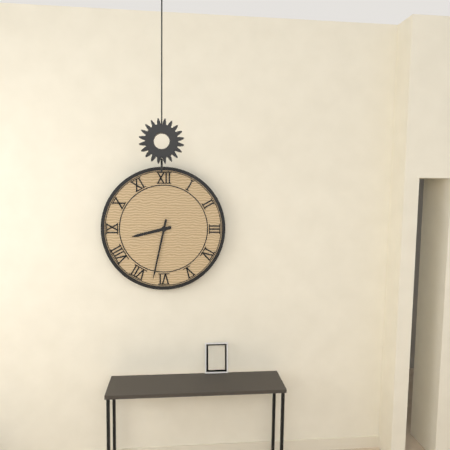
8h32
